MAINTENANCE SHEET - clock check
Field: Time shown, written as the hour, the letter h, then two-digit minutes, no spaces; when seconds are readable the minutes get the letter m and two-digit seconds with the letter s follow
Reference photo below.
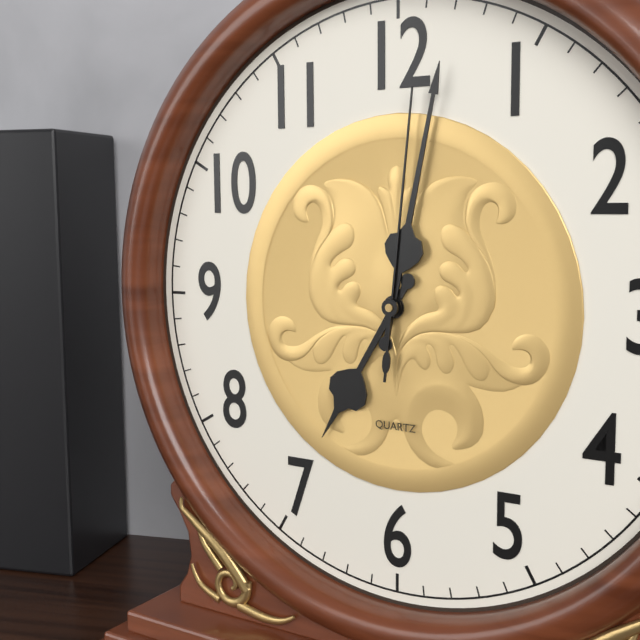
7h02m01s
